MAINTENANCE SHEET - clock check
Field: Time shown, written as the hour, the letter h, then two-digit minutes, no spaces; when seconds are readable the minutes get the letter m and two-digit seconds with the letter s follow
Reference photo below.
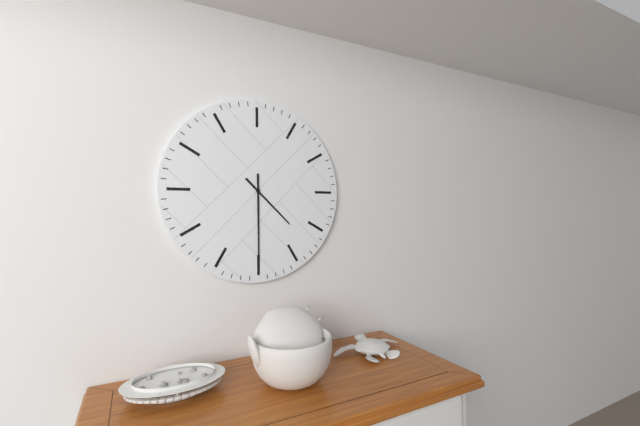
4h30
